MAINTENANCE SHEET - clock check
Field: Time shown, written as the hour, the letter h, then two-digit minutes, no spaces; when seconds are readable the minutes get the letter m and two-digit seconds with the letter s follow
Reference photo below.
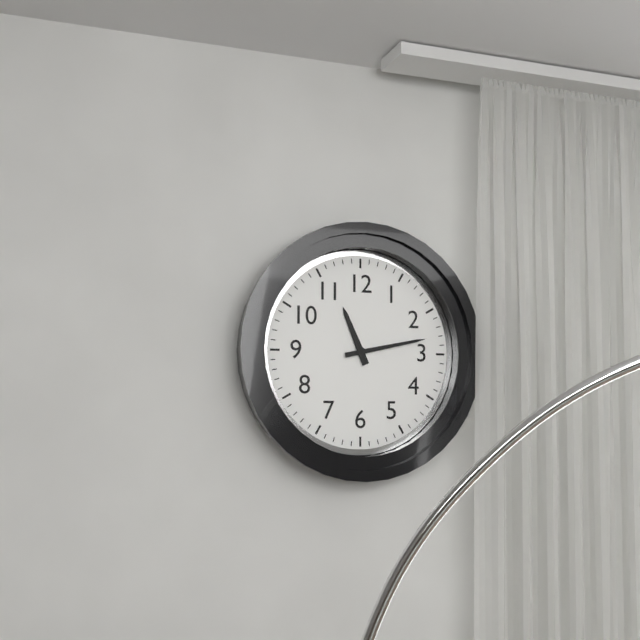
11h13
